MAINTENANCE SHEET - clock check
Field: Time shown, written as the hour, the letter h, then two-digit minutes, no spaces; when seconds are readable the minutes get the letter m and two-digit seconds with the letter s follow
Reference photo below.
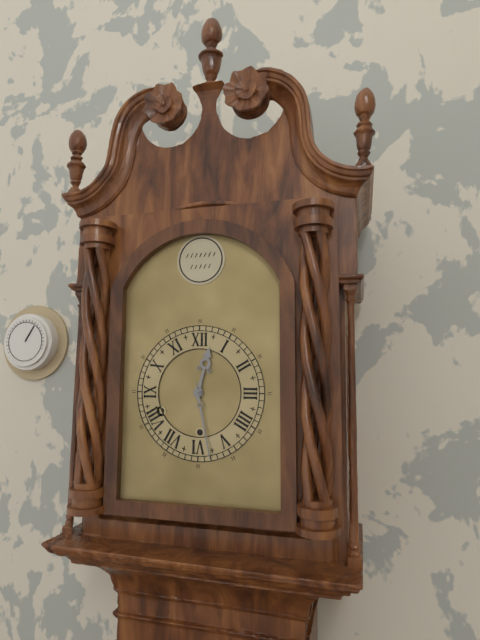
12h28
